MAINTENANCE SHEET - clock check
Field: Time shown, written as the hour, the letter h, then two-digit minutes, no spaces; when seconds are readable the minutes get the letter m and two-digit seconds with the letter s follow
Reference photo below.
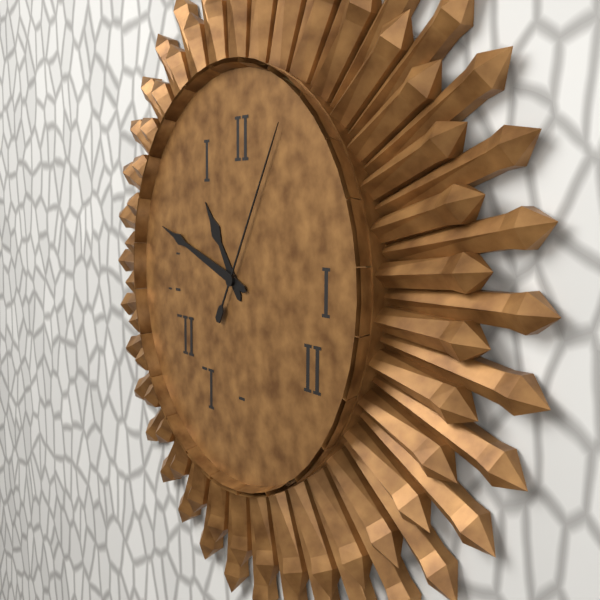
10h48m05s
